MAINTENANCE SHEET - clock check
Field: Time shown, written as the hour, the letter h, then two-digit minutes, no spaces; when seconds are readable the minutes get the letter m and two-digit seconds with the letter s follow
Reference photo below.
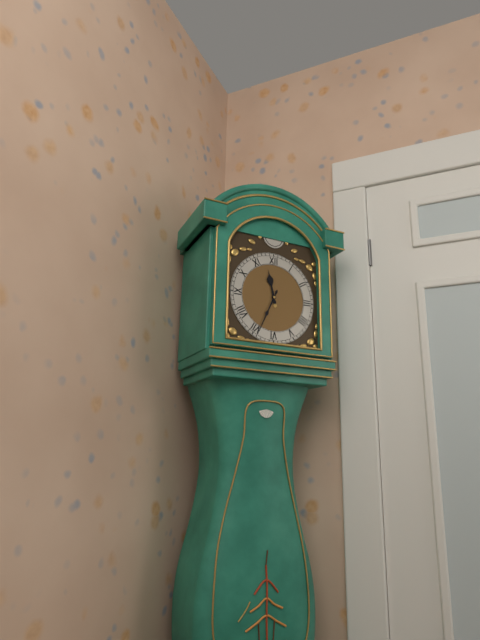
11h34
